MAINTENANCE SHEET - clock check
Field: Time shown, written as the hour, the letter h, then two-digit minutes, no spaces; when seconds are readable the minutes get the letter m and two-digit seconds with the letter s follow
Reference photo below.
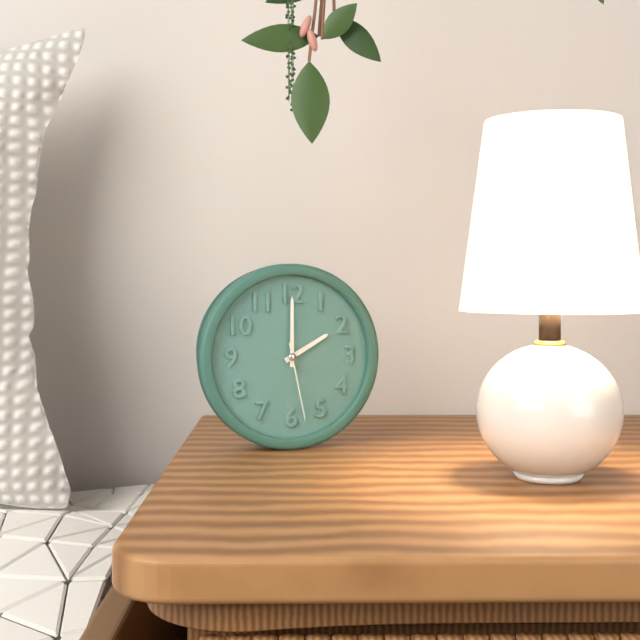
2h00m28s
